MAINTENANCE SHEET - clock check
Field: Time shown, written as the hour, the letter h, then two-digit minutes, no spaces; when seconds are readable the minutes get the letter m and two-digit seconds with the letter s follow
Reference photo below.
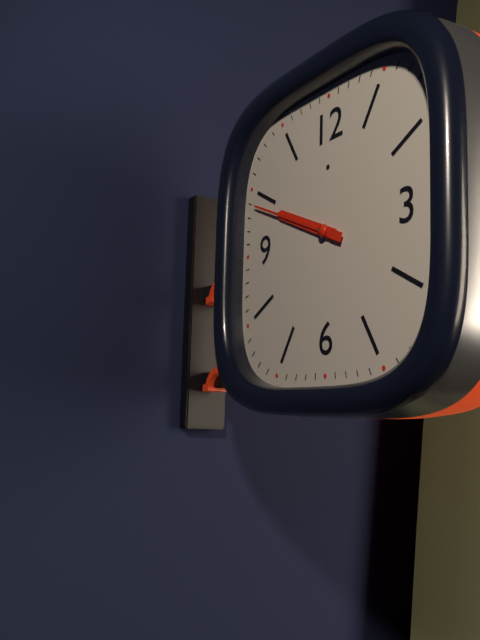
9h49
